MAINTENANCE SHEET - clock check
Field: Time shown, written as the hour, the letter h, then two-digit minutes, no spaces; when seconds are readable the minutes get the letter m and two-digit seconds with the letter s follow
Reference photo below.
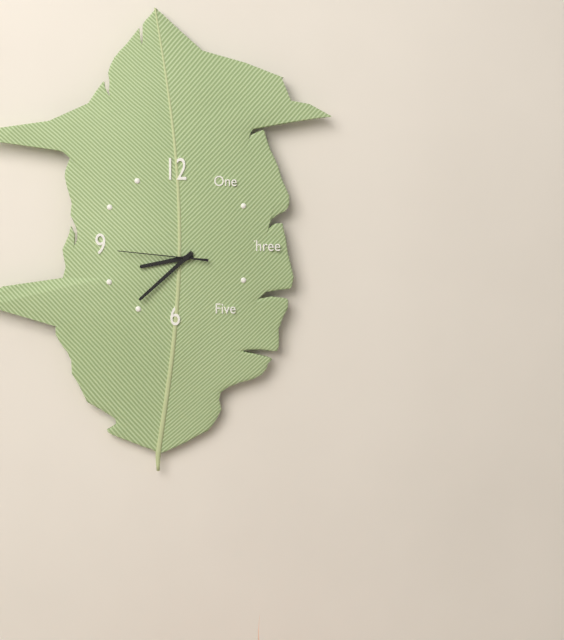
8h38m46s
